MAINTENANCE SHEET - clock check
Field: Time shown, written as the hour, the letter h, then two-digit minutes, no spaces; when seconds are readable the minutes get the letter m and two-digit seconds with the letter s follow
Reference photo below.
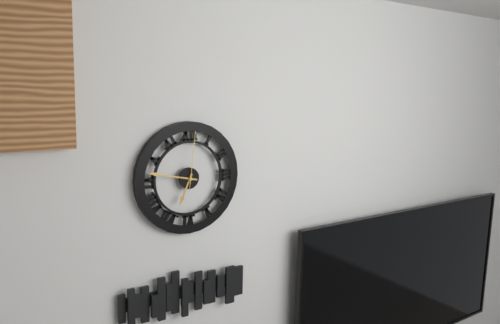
6h47m01s
